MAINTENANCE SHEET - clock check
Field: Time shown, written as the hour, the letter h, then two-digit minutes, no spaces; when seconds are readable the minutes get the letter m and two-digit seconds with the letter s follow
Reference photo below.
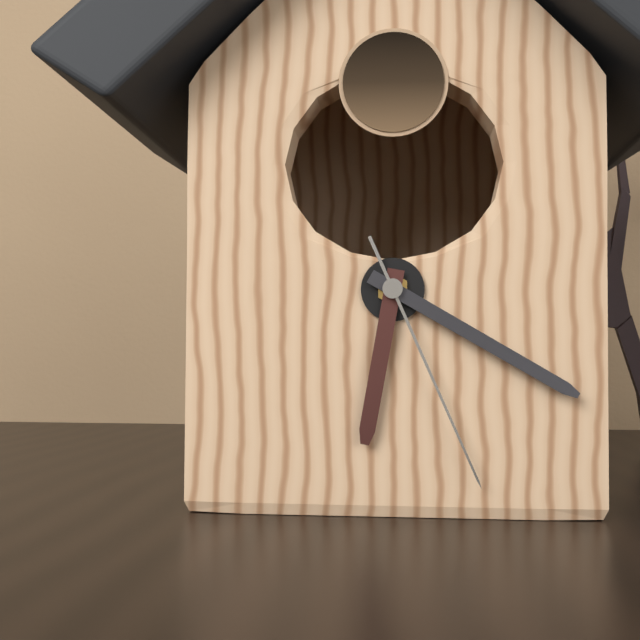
6h20m26s
